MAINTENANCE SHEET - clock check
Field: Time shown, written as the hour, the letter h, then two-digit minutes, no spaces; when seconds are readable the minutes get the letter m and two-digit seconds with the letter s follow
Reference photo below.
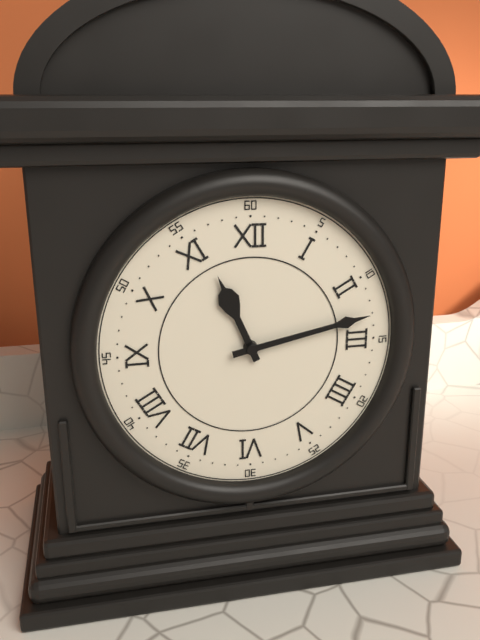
11h13
